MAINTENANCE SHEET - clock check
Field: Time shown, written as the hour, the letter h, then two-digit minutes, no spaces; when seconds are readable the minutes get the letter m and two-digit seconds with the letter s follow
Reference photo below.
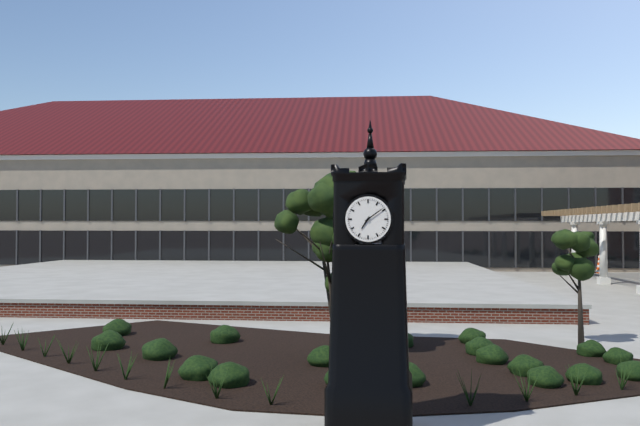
7h09
